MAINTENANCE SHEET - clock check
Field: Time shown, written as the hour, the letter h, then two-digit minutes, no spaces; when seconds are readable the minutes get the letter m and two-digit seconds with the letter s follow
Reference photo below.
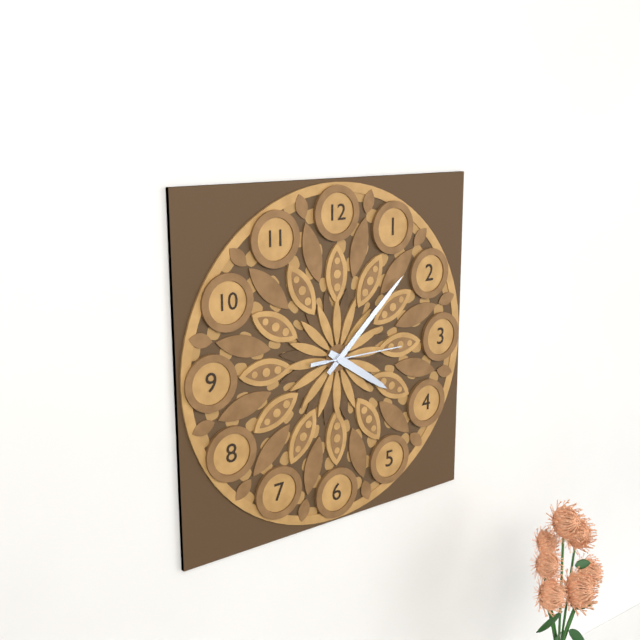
4h08m15s
